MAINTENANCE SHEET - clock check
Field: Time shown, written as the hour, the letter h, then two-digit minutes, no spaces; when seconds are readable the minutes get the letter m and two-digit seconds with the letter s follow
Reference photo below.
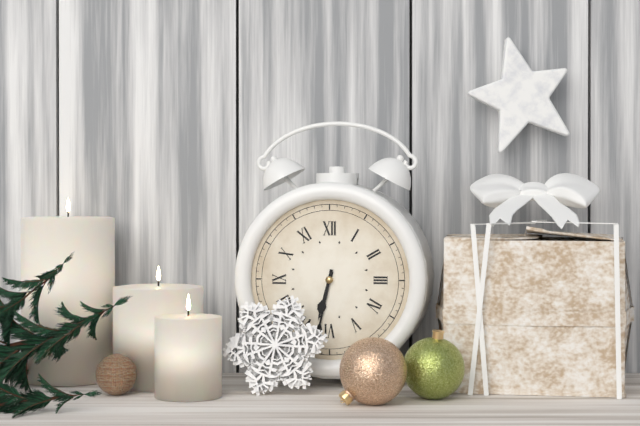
6h32
